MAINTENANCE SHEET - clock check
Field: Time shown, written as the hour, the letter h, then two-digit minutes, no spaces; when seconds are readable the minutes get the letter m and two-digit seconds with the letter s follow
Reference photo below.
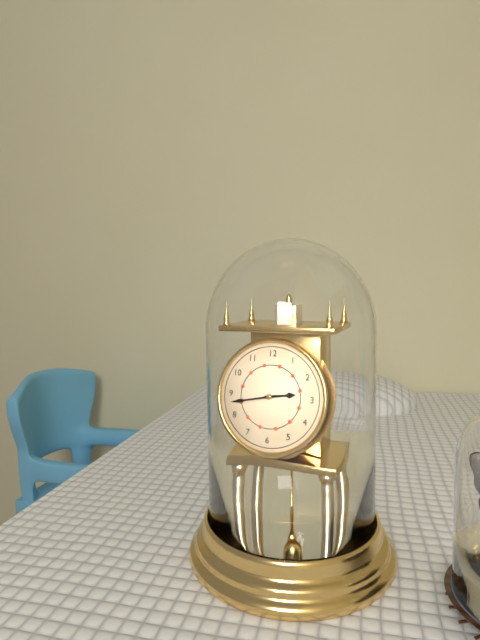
2h43
